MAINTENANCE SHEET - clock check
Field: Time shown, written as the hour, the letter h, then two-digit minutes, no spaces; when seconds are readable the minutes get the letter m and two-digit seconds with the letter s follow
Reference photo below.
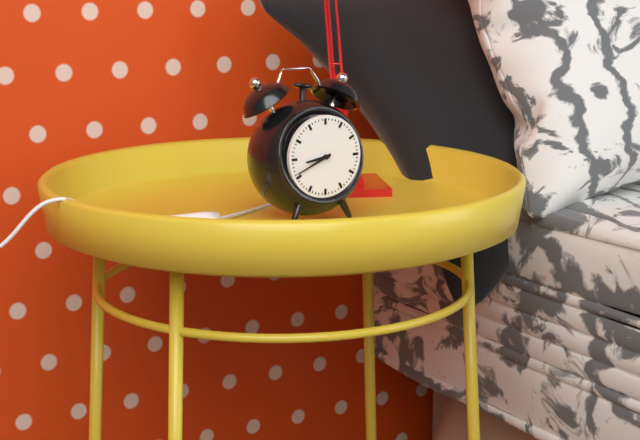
8h41
